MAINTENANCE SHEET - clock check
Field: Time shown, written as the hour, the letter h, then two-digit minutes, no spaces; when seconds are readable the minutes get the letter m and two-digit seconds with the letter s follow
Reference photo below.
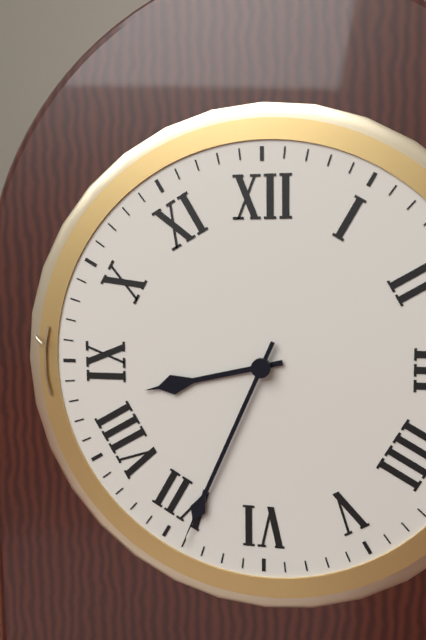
8h34
